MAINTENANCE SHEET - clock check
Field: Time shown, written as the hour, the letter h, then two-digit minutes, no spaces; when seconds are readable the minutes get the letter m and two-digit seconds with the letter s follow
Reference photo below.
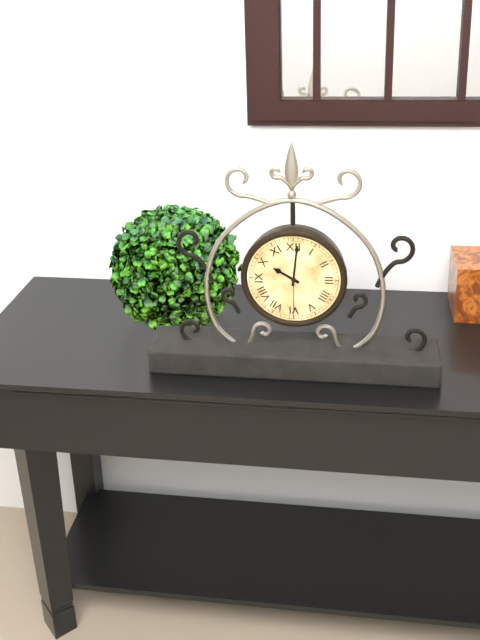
10h01m30s
